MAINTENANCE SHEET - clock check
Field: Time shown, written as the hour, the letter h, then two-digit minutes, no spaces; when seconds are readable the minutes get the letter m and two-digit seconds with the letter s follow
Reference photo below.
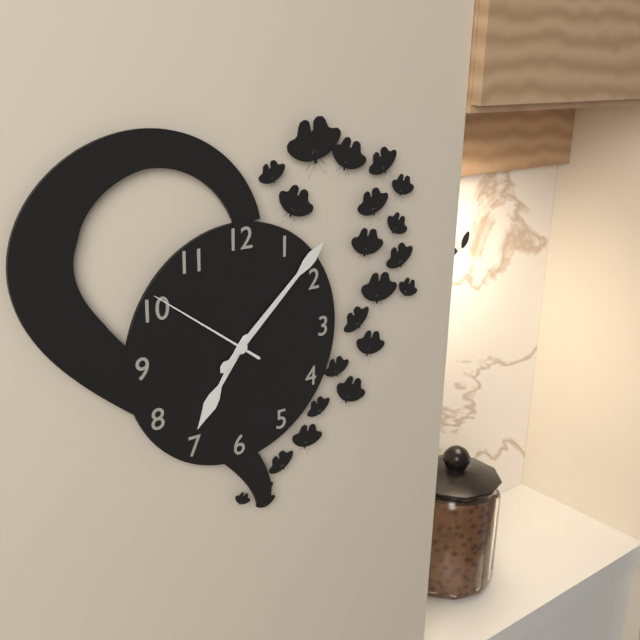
7h08m51s
